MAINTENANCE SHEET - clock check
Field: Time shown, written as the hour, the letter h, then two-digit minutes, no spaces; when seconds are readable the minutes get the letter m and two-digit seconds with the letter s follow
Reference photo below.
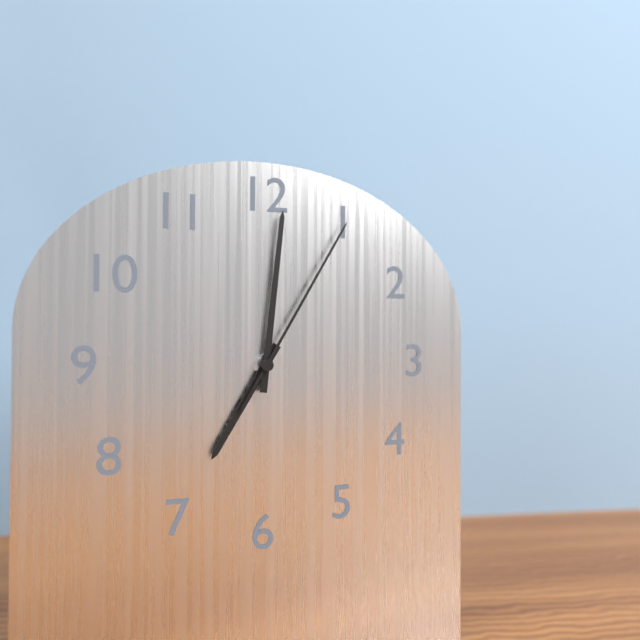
7h01m05s
